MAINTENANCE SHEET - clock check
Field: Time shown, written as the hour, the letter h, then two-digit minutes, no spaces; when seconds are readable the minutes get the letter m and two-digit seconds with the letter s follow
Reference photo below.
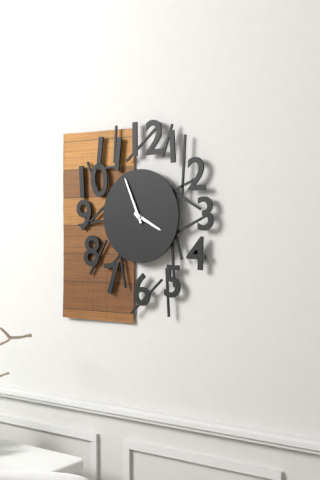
3h56
